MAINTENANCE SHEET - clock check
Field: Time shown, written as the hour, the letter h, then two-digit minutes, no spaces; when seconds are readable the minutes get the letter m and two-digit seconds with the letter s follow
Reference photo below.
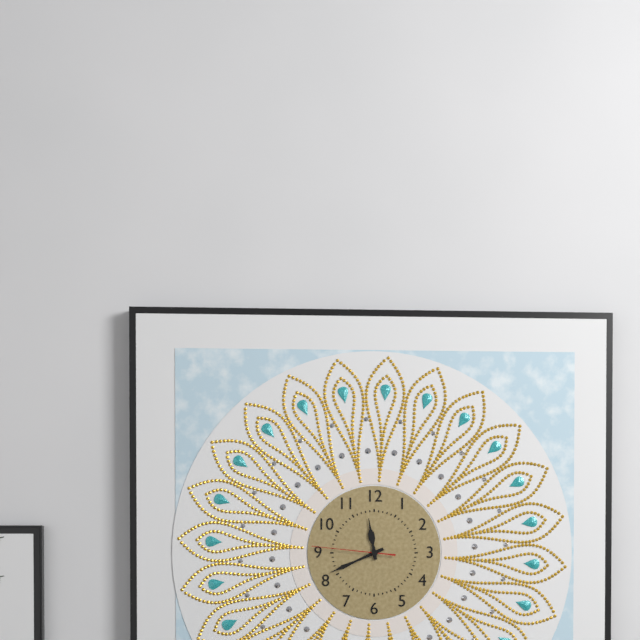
11h41m46s
